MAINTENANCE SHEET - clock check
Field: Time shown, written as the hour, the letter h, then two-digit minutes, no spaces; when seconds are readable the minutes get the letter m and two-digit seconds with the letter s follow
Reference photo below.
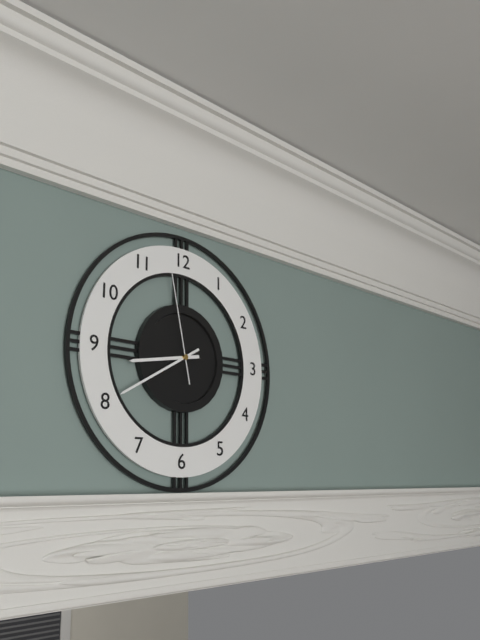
8h40m58s
